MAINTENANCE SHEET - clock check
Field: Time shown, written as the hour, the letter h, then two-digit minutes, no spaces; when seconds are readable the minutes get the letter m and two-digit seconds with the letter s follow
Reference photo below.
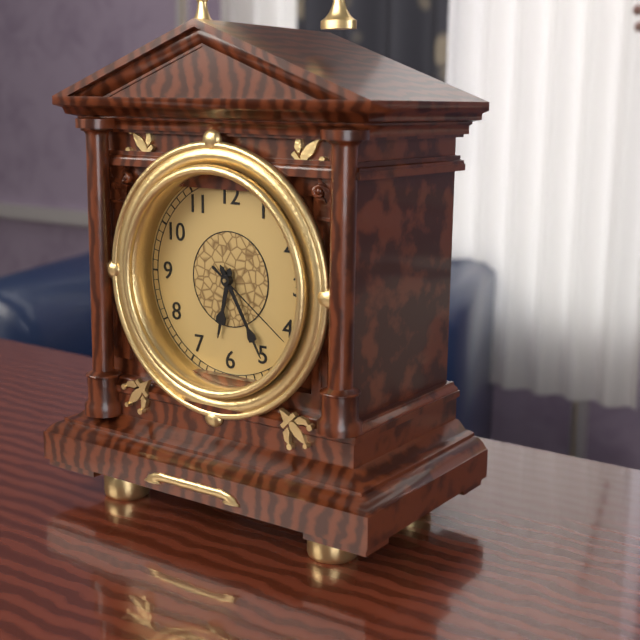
6h25m21s
